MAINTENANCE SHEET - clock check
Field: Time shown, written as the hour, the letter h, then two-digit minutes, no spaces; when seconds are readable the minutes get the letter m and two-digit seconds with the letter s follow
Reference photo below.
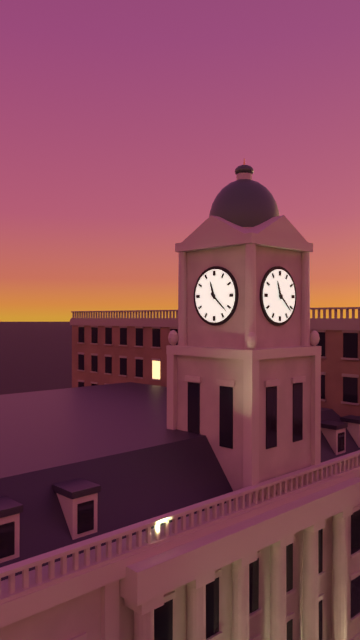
11h22
